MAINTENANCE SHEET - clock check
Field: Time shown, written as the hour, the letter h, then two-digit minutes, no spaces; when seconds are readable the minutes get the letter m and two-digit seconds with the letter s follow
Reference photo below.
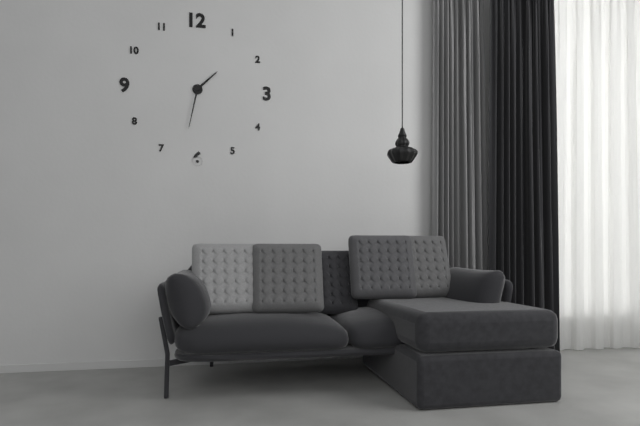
1h32
